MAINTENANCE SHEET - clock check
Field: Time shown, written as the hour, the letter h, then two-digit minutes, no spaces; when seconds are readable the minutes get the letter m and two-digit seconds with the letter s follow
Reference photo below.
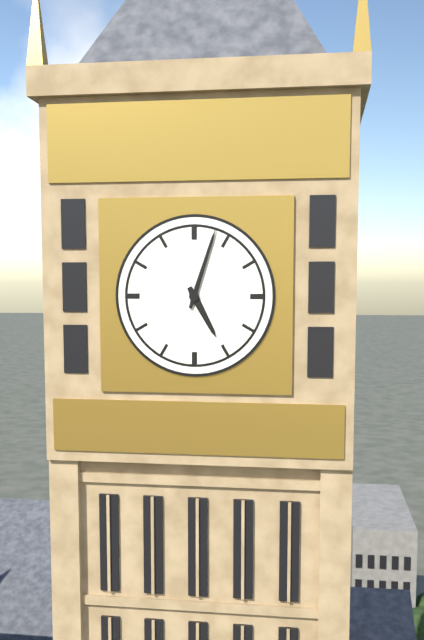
5h03
